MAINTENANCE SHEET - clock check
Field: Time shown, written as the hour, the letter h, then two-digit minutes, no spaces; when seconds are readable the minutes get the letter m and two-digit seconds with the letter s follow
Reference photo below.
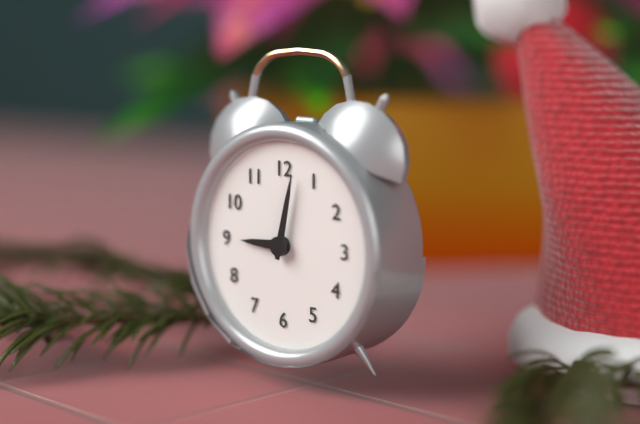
9h02
